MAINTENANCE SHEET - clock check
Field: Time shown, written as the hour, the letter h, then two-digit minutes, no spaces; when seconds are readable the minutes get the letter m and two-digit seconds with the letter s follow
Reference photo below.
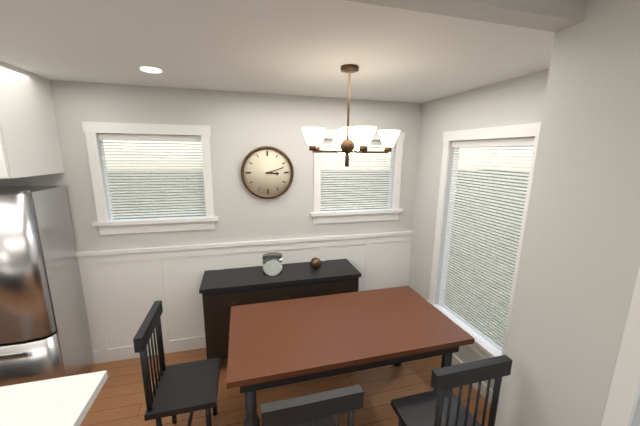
3h12
